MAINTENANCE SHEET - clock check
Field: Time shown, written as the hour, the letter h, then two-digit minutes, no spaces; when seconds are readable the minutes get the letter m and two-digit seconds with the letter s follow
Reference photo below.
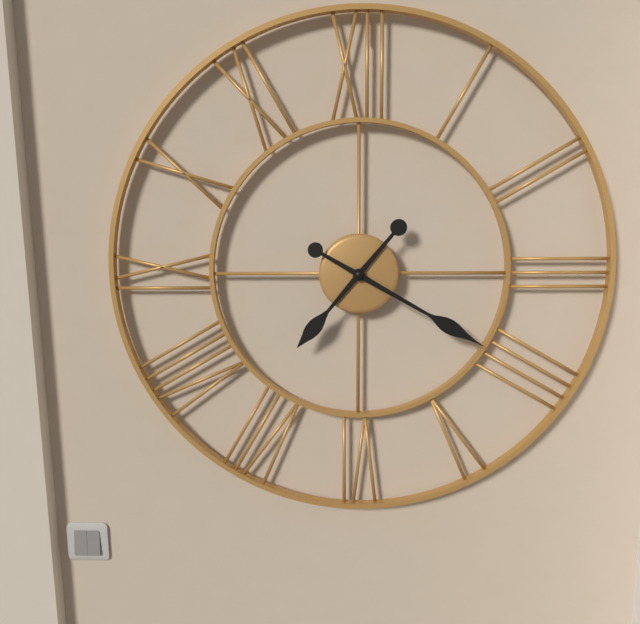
7h20
